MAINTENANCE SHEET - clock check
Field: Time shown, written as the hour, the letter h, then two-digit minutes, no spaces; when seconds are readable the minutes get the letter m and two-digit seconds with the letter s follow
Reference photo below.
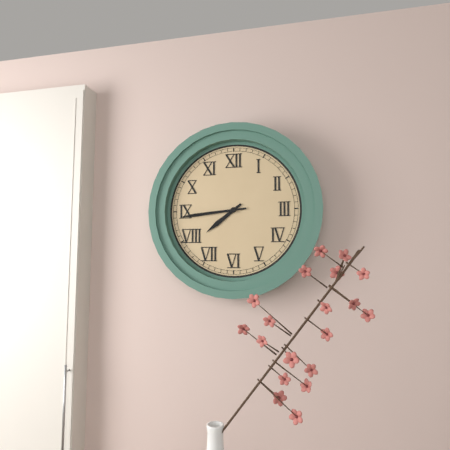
7h44
